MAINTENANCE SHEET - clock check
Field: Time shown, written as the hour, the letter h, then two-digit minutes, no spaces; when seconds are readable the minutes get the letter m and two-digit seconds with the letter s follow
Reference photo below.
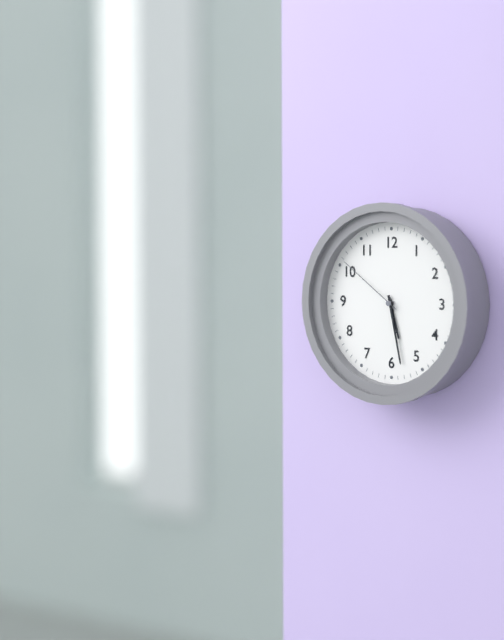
5h28m51s
